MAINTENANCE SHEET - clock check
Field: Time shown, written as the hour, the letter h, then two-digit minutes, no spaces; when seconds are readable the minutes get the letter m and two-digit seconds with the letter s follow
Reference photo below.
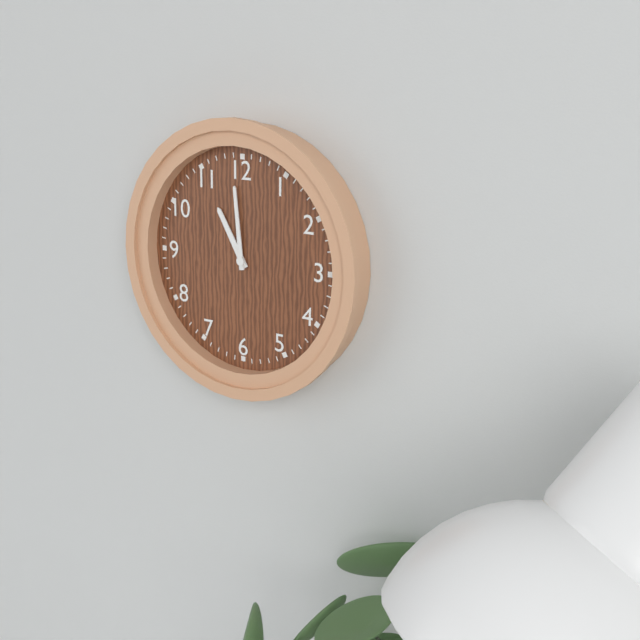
10h59
